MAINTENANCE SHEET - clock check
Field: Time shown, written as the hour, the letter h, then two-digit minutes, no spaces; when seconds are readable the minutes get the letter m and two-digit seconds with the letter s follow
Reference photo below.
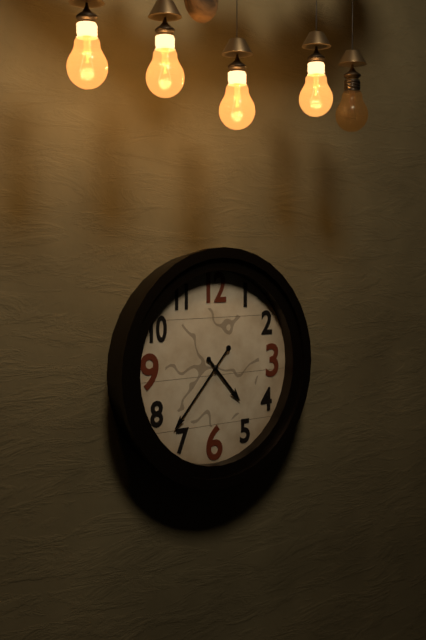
4h37
